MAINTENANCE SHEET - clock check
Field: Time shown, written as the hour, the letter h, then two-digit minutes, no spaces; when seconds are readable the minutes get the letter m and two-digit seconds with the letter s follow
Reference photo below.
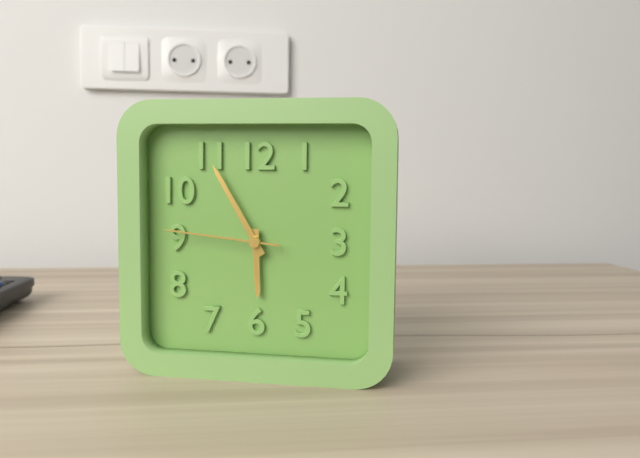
5h55m46s
